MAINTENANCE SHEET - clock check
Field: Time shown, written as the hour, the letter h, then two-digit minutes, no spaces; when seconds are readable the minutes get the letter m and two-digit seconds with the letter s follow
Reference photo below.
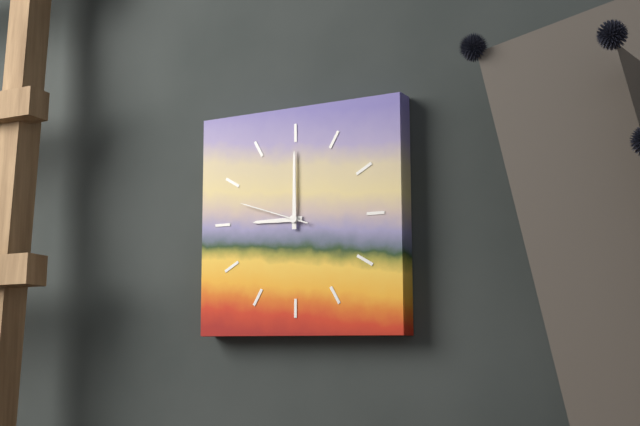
9h00m48s
